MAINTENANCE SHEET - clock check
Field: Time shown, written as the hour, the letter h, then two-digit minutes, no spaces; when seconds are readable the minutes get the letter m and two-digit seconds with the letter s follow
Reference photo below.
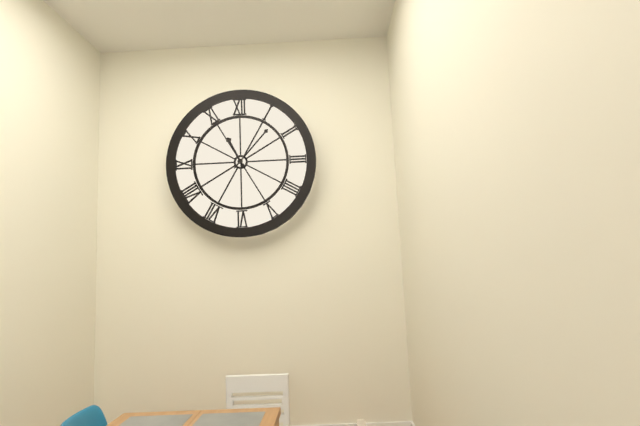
11h07
